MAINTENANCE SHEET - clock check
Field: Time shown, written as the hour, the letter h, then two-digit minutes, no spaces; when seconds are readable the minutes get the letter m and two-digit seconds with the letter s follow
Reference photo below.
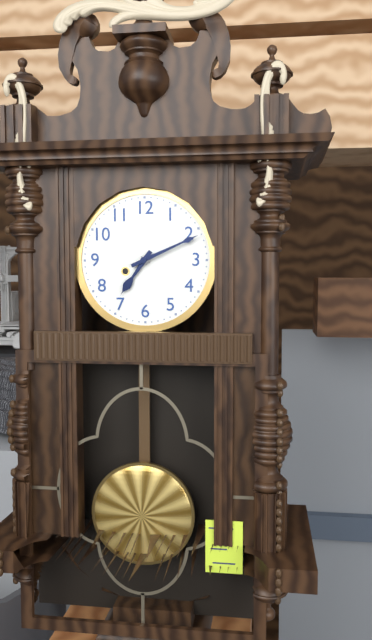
7h11
